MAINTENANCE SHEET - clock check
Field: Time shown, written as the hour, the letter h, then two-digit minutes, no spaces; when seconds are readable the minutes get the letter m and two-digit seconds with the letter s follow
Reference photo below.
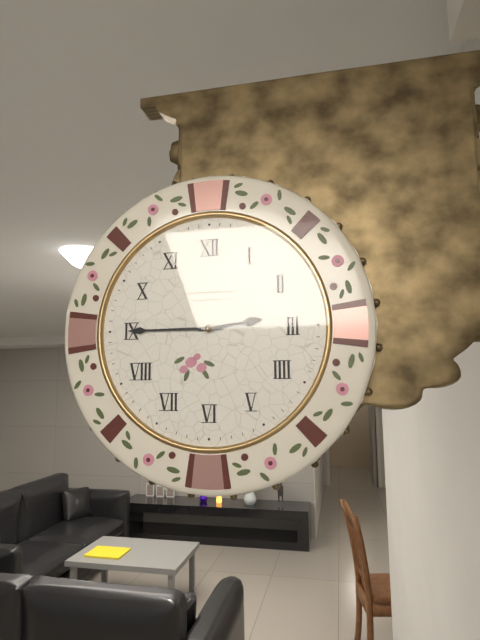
2h45
